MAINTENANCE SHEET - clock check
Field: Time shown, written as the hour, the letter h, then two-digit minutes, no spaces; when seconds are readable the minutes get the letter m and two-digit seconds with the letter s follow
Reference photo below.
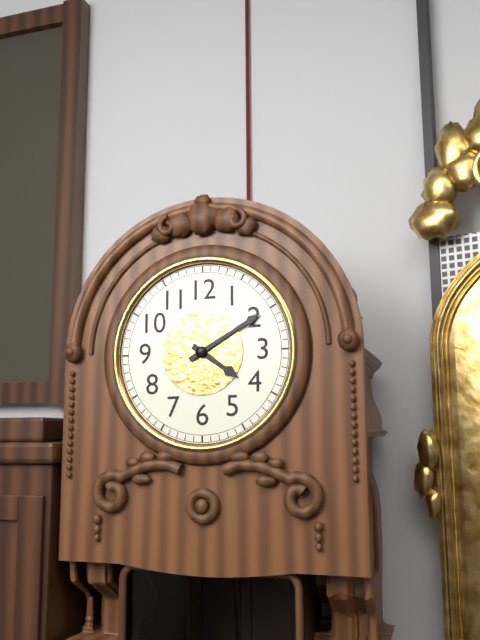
4h10
